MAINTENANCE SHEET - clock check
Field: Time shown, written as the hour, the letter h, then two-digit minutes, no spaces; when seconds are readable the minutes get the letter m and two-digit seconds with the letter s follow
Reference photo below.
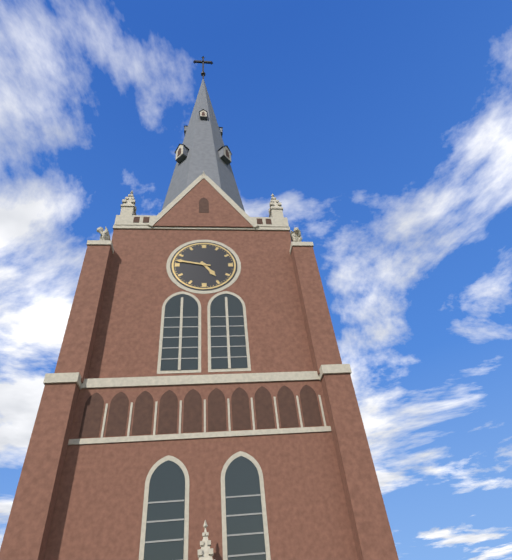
4h47
